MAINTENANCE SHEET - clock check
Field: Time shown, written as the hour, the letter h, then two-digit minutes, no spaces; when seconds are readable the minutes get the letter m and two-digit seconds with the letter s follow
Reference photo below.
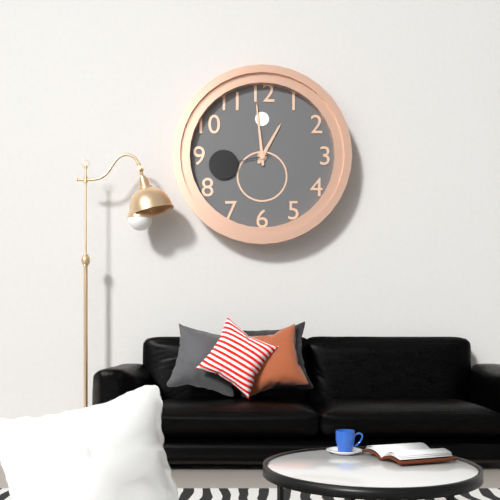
12h59m43s
